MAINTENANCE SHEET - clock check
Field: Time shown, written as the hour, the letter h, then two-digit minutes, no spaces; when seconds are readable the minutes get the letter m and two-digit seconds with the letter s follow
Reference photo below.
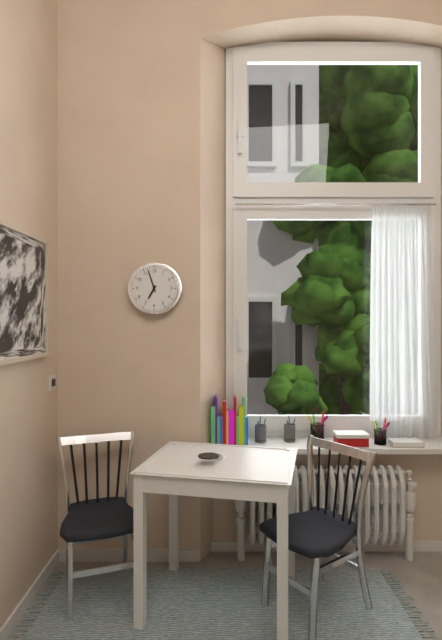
6h57
